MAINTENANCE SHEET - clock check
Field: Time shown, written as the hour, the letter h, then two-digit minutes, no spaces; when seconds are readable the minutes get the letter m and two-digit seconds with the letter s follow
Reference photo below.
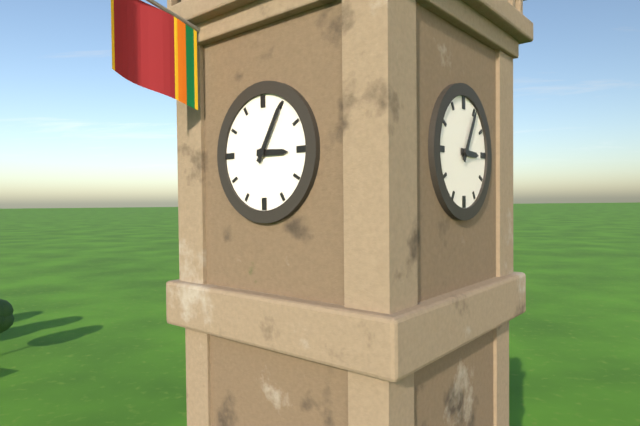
3h05
